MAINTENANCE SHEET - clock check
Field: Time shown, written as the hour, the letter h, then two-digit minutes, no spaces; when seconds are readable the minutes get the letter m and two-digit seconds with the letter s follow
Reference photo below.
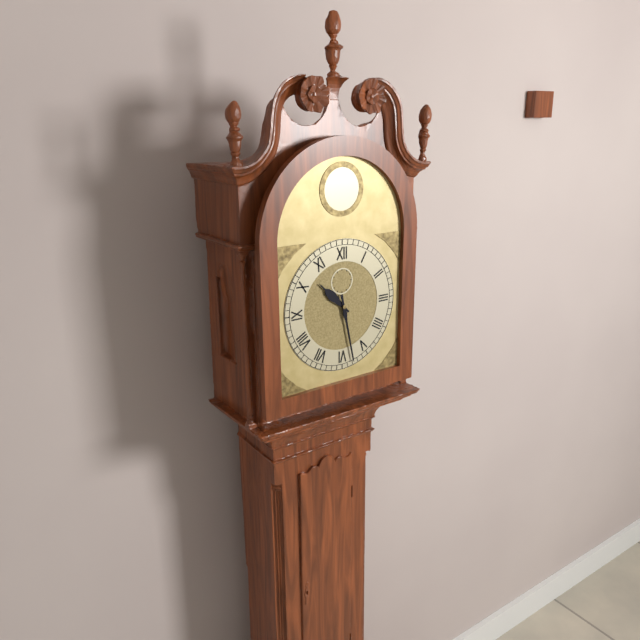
10h28
